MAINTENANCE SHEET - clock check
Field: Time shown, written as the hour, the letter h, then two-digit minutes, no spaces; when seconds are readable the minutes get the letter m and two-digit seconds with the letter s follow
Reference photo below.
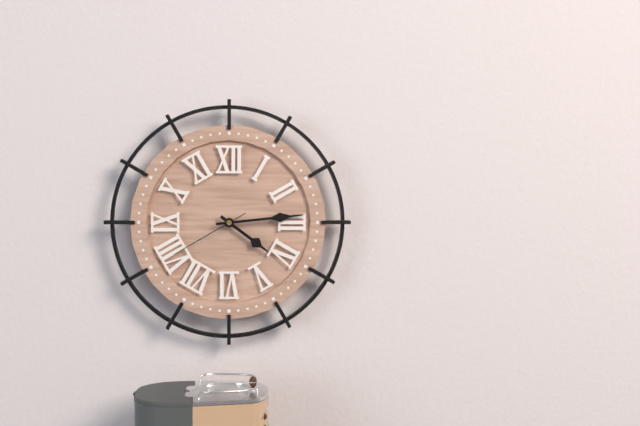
4h14m40s
